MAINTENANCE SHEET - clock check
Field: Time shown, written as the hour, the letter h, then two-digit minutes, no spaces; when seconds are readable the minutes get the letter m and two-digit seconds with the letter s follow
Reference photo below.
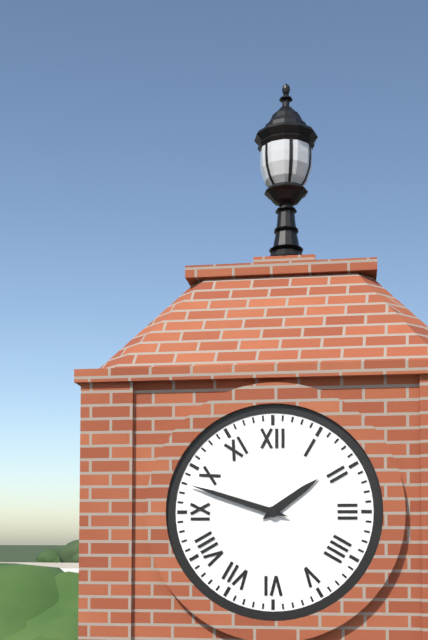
1h48
